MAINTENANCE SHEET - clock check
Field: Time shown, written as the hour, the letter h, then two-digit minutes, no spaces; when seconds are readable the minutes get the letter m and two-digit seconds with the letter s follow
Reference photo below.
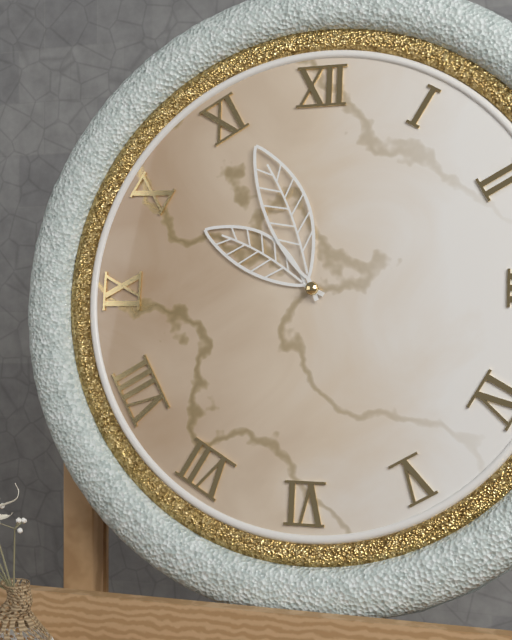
9h56
